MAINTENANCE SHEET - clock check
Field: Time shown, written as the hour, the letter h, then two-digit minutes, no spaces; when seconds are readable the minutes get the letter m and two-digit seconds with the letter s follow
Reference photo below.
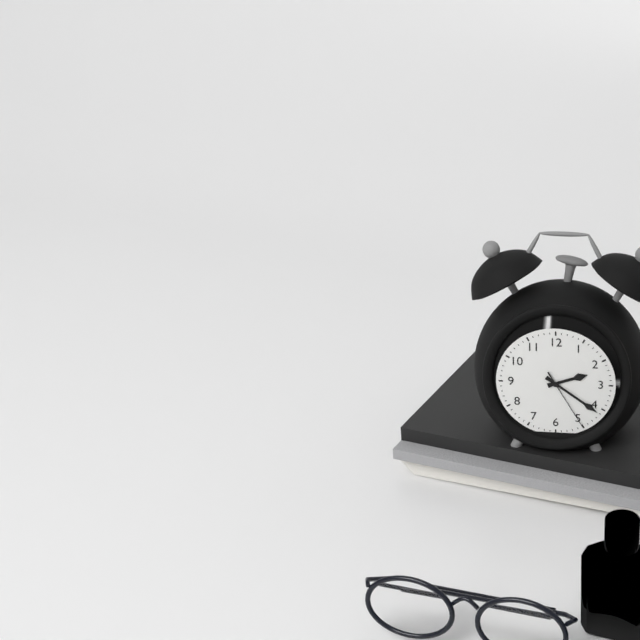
2h21m25s
